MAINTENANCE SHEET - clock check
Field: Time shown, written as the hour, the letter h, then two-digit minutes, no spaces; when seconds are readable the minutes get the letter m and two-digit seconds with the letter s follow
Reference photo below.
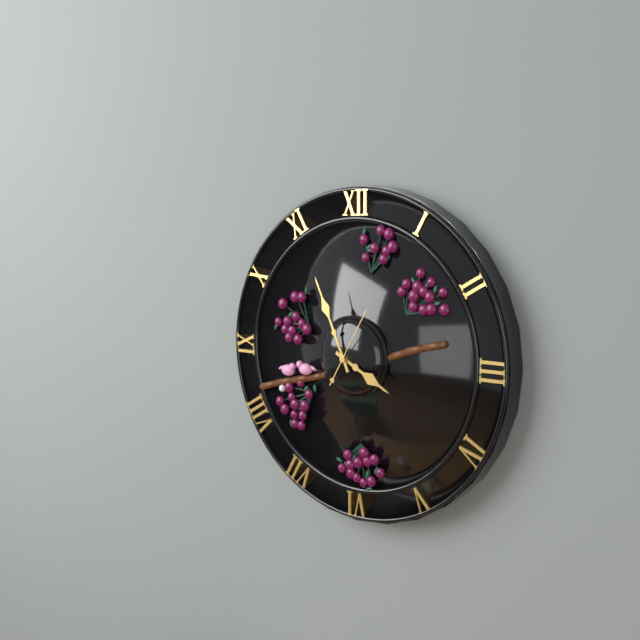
3h56m05s
